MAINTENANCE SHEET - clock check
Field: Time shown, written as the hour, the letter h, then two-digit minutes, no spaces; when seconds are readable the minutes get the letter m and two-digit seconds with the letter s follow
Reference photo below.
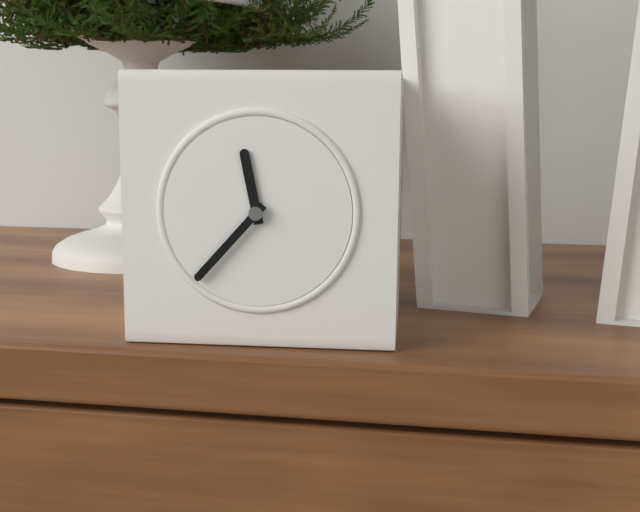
11h37
